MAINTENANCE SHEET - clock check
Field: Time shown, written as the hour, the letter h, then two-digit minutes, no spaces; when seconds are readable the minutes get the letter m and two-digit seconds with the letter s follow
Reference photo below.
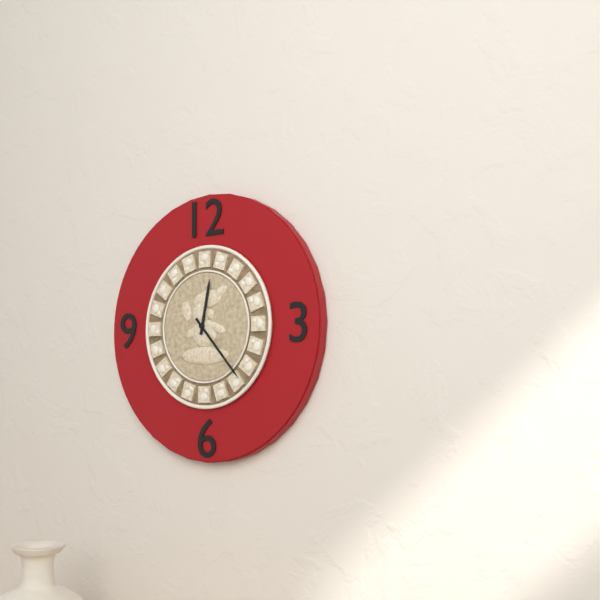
12h23
